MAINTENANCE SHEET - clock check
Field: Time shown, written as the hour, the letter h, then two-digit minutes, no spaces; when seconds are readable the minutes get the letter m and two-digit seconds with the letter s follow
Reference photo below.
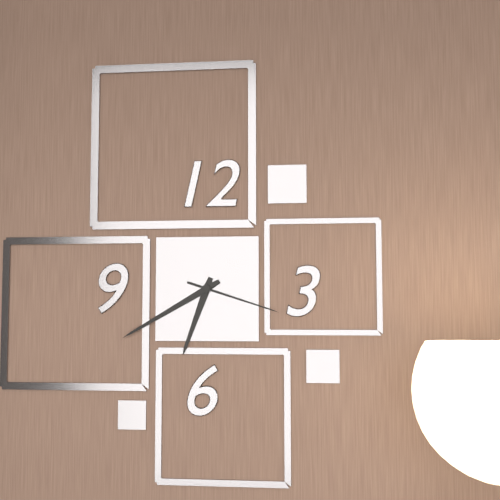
6h40m18s
